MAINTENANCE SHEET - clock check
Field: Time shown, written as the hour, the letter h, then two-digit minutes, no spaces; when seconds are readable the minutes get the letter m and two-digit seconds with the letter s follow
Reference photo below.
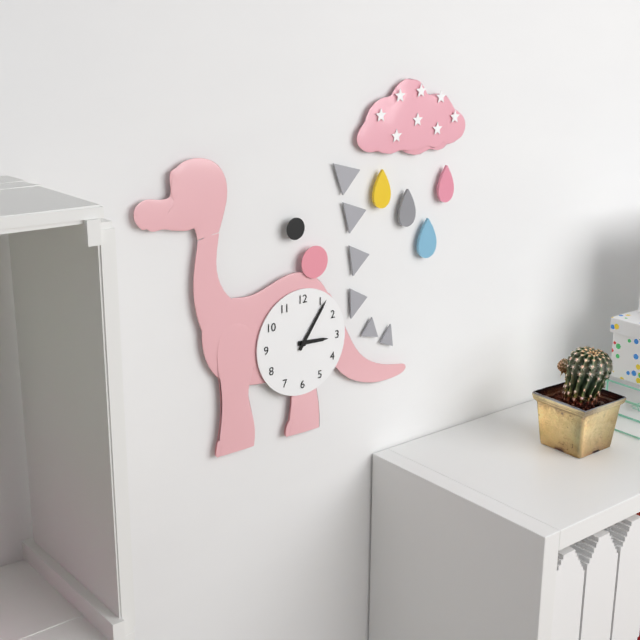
3h06
